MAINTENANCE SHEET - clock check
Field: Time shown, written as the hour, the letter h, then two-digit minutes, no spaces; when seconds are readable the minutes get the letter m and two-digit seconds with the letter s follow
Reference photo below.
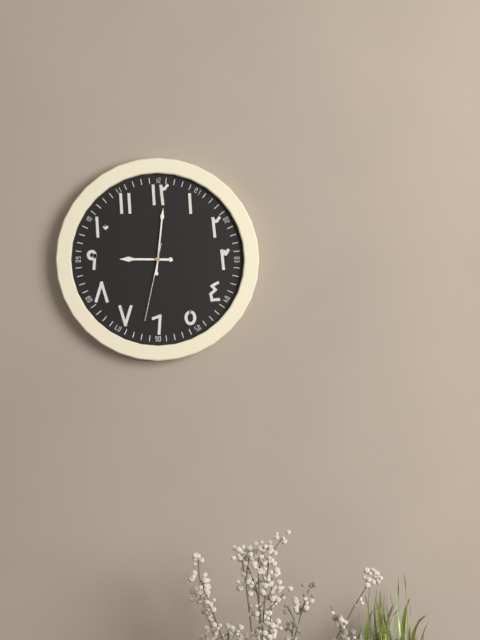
9h01m32s
